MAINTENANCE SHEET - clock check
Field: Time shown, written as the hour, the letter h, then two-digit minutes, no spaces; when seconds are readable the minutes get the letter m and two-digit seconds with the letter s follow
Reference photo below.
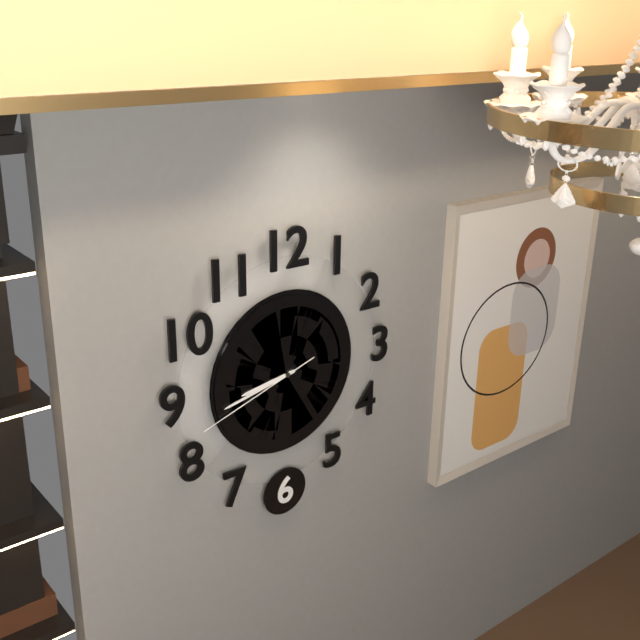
8h43m42s
